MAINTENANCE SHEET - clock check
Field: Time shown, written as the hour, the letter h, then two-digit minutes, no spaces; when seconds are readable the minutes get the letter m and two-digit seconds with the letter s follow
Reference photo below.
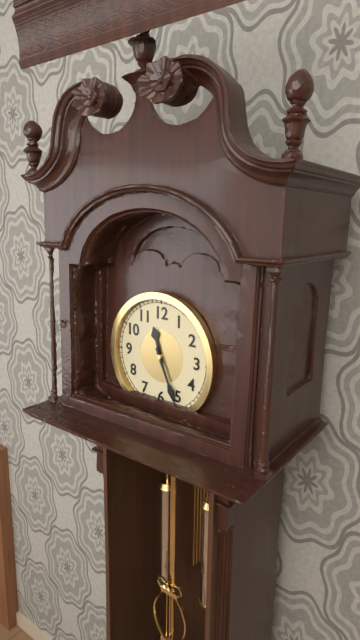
11h26
